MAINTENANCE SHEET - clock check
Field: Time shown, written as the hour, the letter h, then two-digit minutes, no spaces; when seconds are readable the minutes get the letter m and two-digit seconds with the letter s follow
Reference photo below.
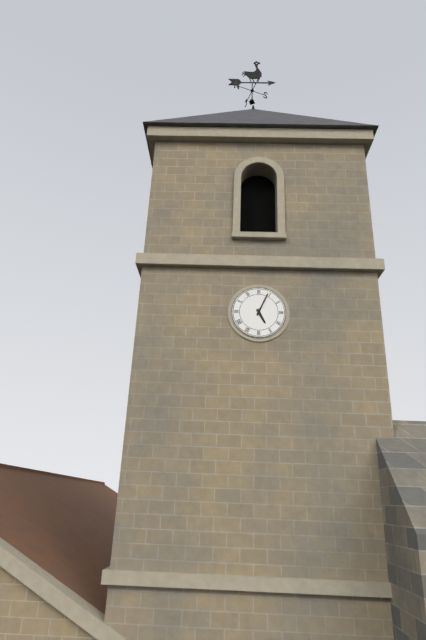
5h04
